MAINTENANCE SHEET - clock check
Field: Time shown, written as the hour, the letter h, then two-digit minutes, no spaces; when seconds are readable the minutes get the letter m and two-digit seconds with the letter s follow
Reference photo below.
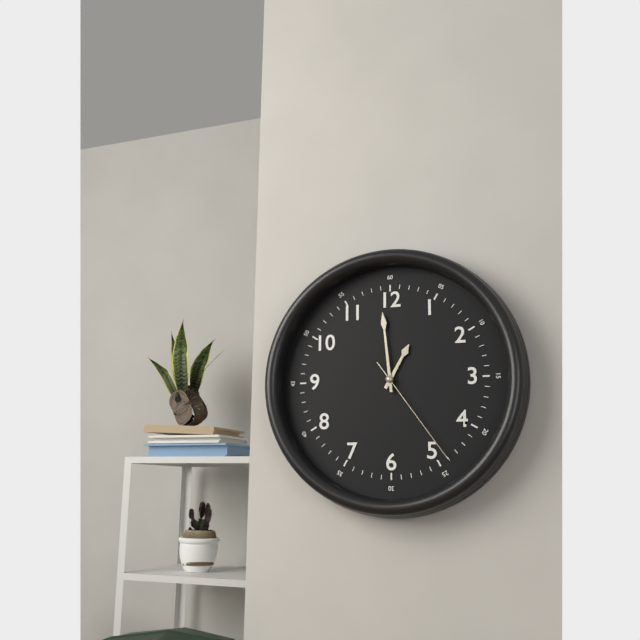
12h59m24s
